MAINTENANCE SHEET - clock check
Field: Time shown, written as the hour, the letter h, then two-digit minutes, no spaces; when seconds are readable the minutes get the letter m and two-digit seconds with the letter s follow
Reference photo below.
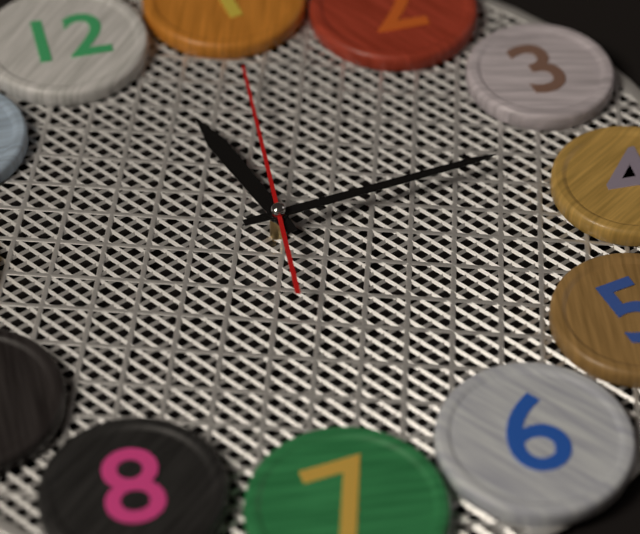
12h18m05s
